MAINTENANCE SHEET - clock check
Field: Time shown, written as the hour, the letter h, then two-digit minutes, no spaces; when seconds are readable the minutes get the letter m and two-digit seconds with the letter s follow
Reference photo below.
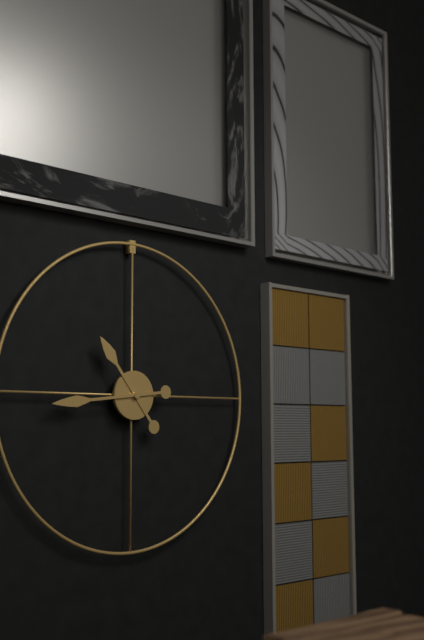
10h44
